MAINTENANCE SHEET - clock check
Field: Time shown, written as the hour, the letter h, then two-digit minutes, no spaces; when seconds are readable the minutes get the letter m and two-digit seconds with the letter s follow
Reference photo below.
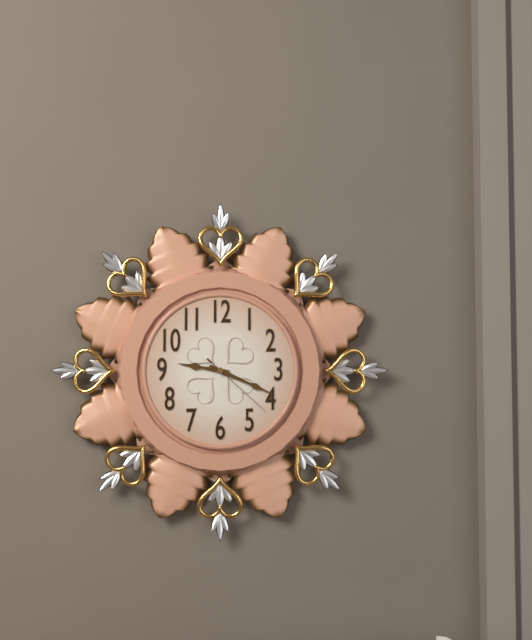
9h19m22s
